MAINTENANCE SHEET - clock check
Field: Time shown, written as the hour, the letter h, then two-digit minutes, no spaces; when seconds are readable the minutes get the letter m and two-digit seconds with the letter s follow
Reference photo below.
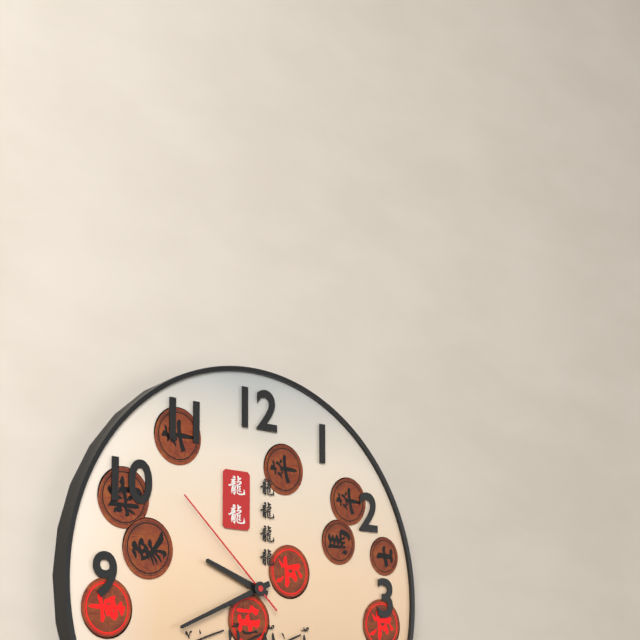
9h41m52s
